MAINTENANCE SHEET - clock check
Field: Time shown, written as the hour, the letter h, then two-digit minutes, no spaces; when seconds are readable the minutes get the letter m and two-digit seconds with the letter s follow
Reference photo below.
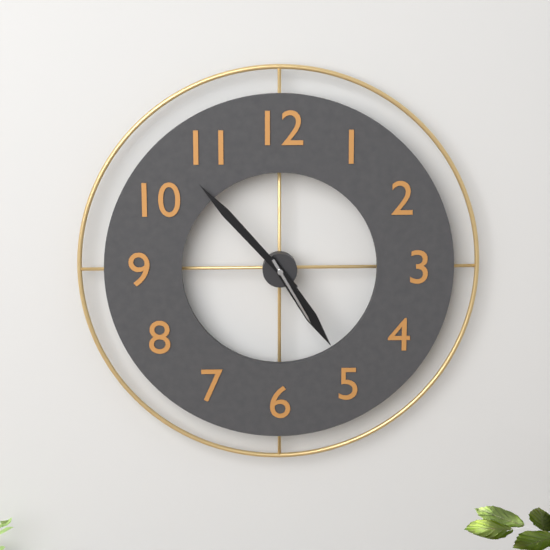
4h53m25s
